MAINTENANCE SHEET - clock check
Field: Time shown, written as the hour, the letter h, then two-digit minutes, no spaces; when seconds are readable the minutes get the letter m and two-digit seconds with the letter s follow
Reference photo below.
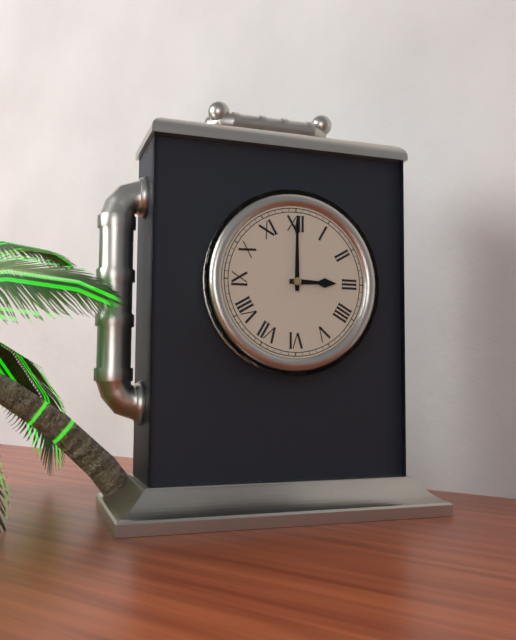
3h00
